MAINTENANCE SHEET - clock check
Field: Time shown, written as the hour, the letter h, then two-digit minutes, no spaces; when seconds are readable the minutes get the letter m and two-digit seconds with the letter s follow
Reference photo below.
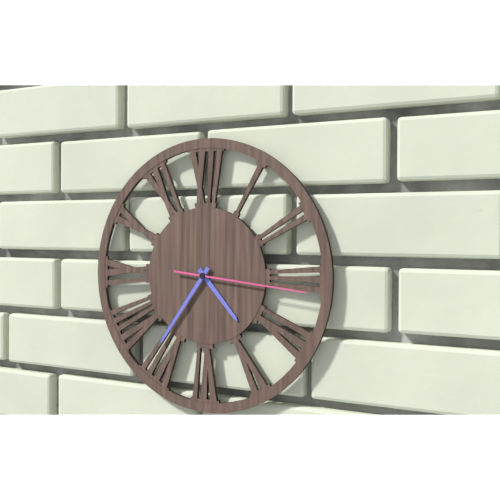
4h36m16s
